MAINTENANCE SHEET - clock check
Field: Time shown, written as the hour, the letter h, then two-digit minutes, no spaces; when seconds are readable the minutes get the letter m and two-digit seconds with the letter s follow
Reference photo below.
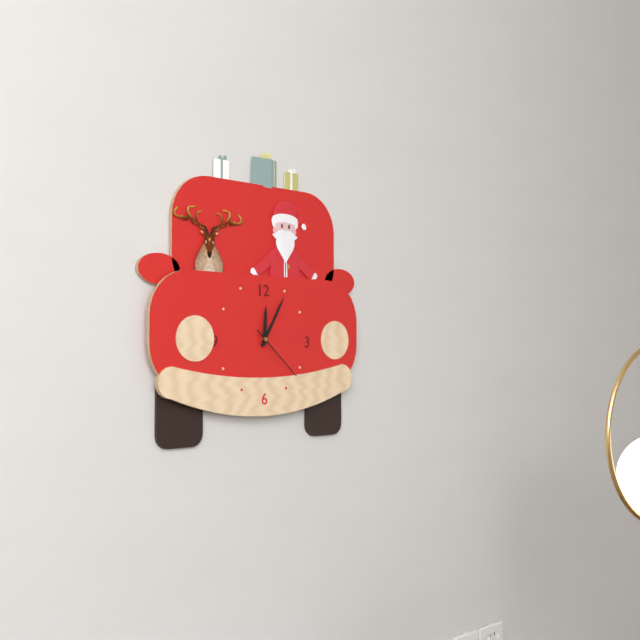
12h05m22s
